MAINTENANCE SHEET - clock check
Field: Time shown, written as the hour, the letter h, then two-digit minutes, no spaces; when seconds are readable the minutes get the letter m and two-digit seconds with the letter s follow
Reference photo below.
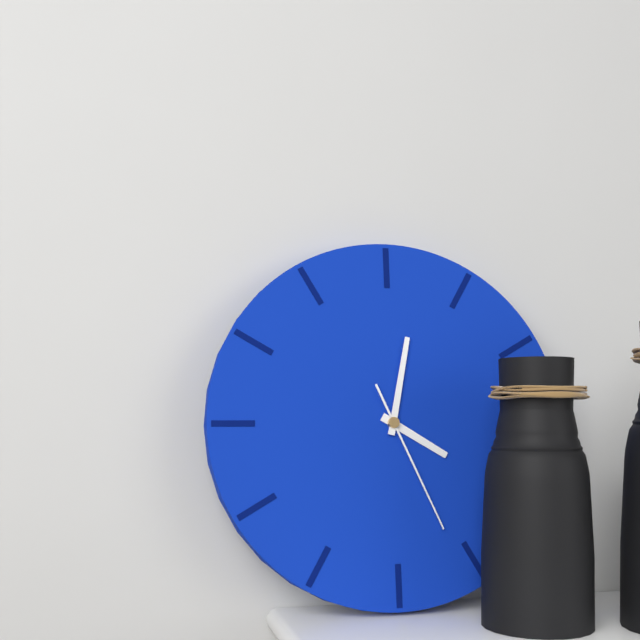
4h02m26s
